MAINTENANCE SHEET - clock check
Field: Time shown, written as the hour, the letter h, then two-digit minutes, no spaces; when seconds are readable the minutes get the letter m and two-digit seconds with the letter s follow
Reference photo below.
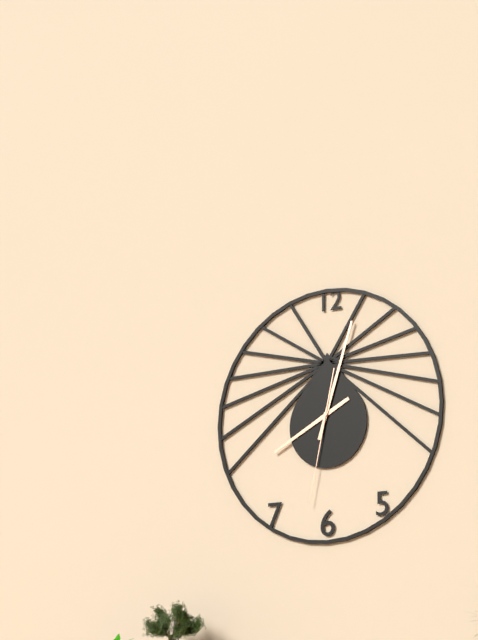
8h03m32s
